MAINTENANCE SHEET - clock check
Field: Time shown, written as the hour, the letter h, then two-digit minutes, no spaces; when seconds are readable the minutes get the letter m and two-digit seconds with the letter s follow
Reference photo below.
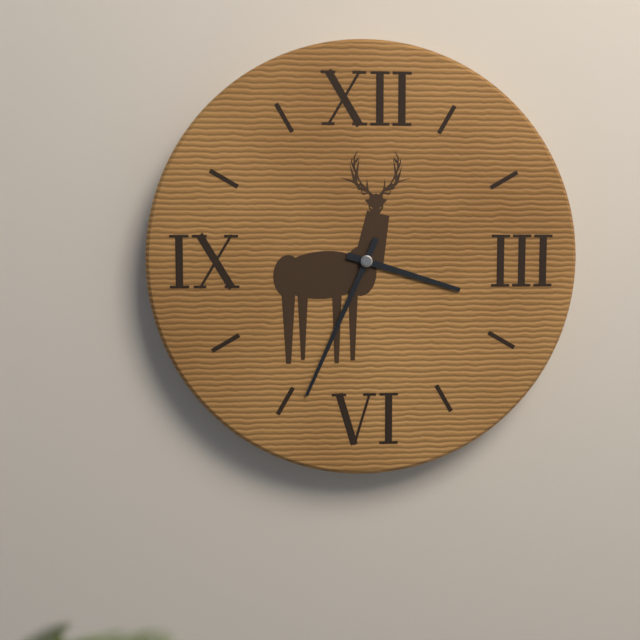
3h34
